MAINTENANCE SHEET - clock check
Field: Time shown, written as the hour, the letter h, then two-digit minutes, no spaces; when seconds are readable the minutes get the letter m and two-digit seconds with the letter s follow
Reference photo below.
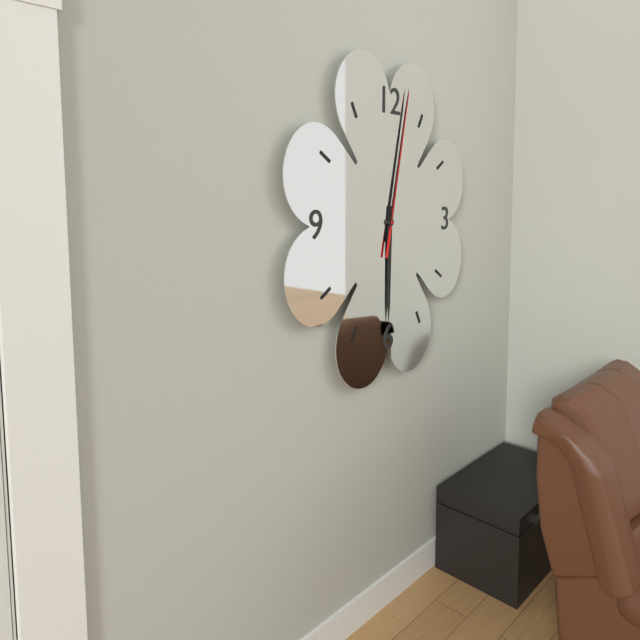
6h02m02s
